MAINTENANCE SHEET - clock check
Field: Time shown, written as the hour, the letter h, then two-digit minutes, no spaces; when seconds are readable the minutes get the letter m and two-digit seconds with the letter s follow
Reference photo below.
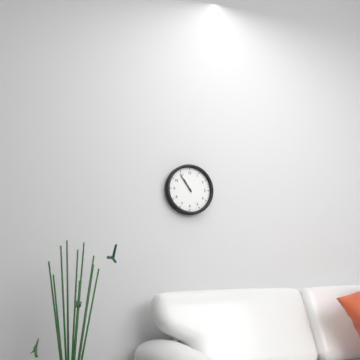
10h54
